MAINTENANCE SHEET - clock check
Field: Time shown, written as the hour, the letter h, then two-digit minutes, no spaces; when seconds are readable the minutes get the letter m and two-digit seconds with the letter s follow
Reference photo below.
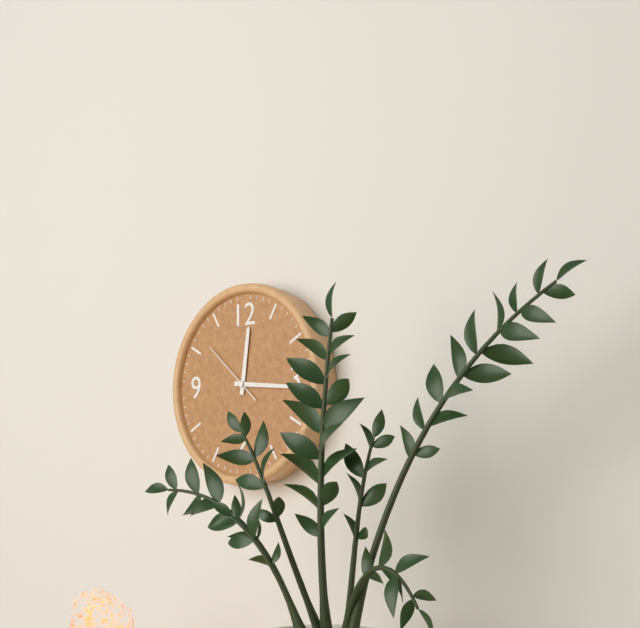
12h16m52s
